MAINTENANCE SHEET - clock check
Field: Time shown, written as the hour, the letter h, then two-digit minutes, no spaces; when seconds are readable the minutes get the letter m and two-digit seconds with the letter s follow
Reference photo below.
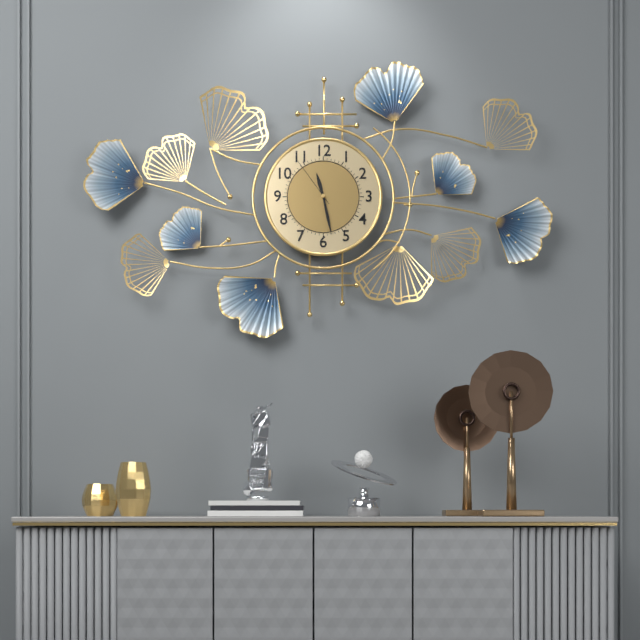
11h28m54s
